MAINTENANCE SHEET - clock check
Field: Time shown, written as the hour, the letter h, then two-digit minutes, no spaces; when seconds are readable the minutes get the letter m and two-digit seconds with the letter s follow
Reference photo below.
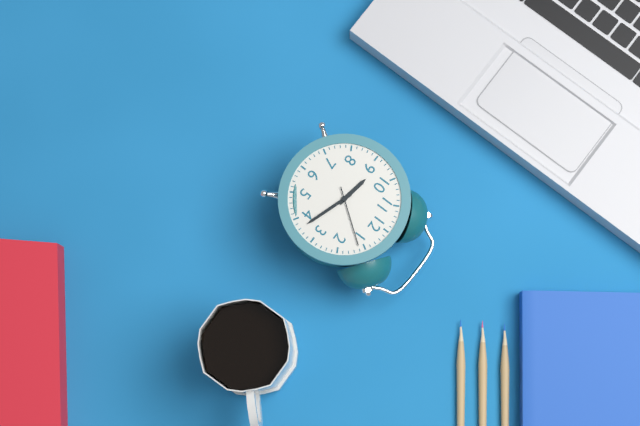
9h18m06s
